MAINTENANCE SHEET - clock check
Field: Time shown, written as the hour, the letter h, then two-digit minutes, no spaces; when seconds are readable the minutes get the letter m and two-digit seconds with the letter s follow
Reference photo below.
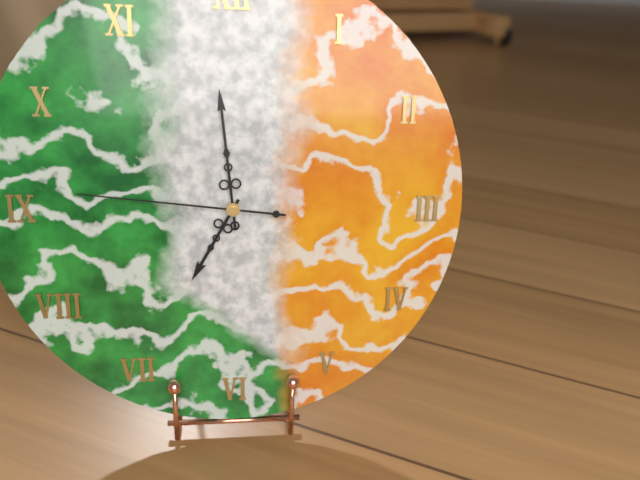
6h59m46s
